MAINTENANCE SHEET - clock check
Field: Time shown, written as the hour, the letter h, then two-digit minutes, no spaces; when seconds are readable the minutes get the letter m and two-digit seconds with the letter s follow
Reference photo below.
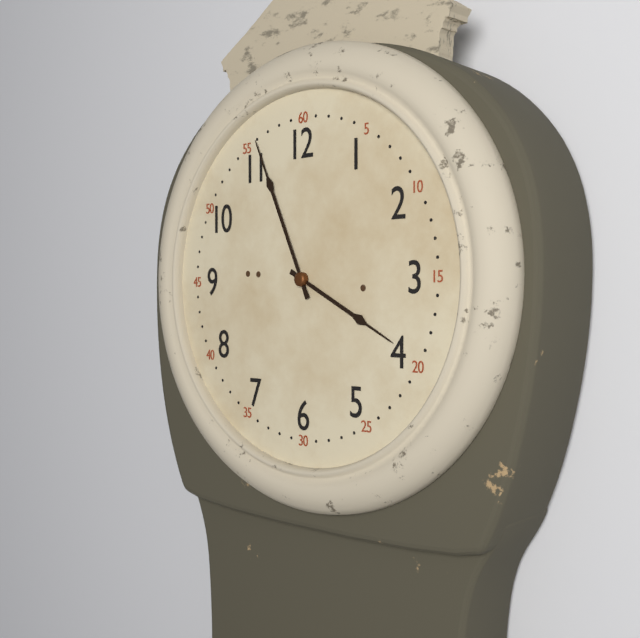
3h56
